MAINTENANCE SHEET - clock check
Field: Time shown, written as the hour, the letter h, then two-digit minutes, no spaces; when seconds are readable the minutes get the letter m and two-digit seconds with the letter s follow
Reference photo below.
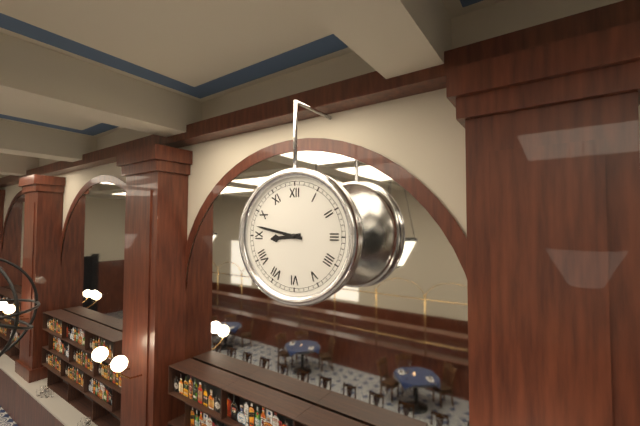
8h47
